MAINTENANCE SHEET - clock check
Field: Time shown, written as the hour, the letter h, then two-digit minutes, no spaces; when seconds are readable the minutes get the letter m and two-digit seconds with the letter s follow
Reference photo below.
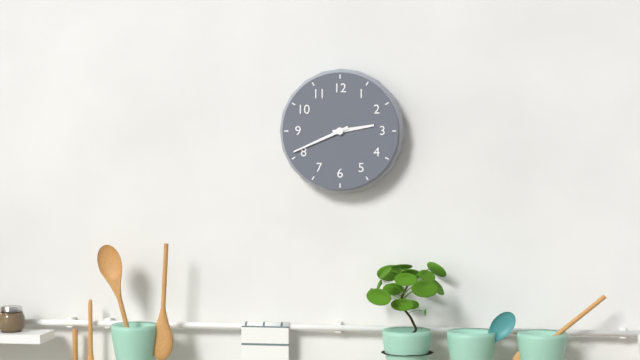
2h41
